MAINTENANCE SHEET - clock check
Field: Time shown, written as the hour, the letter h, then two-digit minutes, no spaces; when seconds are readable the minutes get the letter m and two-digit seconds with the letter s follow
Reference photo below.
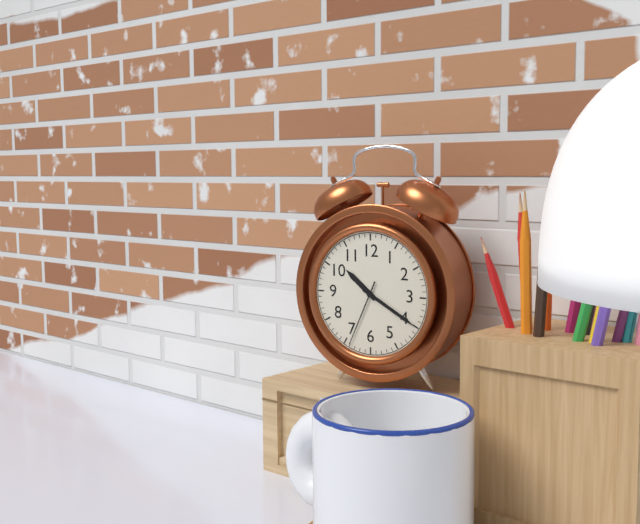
10h20m34s
